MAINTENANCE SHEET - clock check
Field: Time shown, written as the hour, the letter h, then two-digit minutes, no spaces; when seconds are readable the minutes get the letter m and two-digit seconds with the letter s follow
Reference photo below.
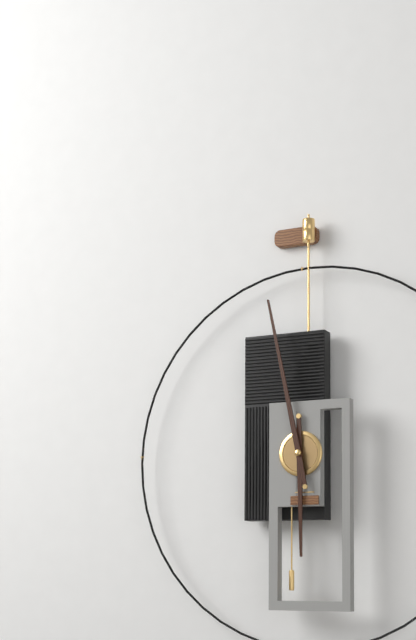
5h58
